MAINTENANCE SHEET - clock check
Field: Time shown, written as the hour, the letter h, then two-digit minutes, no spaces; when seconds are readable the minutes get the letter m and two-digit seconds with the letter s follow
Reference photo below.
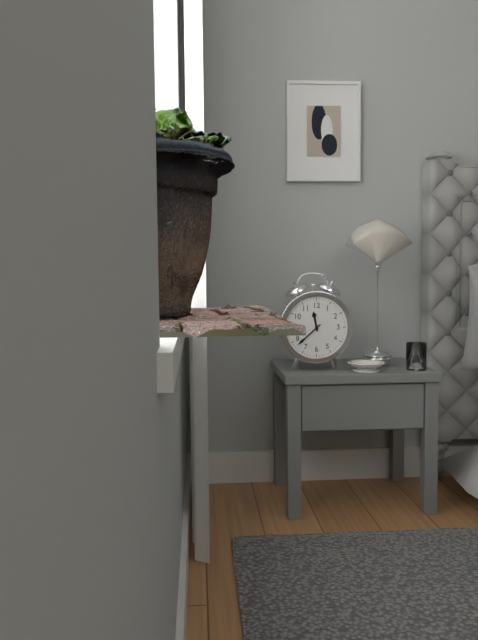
11h38
